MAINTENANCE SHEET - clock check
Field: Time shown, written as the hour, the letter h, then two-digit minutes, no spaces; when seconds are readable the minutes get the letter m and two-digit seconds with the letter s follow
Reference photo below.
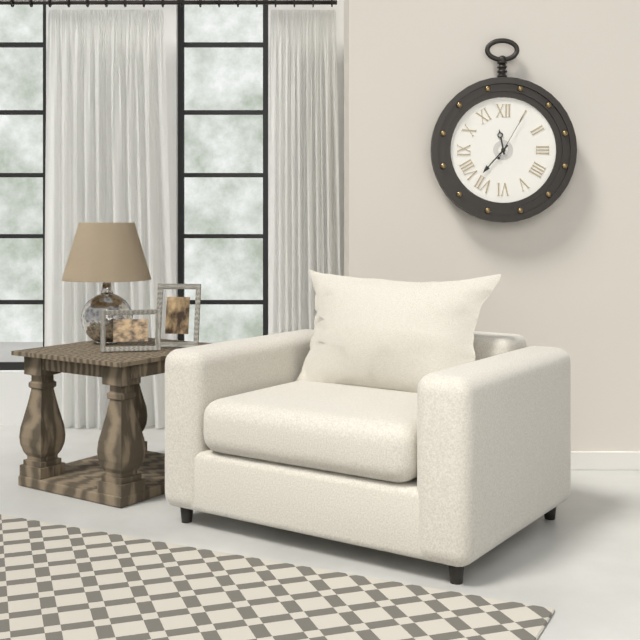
11h37
